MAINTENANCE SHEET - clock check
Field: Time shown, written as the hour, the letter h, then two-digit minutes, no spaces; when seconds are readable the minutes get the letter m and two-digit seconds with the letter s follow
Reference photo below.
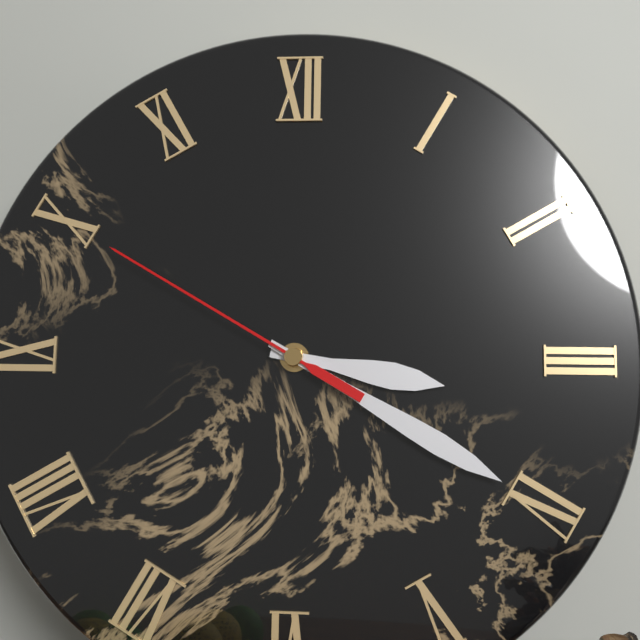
3h20m50s
